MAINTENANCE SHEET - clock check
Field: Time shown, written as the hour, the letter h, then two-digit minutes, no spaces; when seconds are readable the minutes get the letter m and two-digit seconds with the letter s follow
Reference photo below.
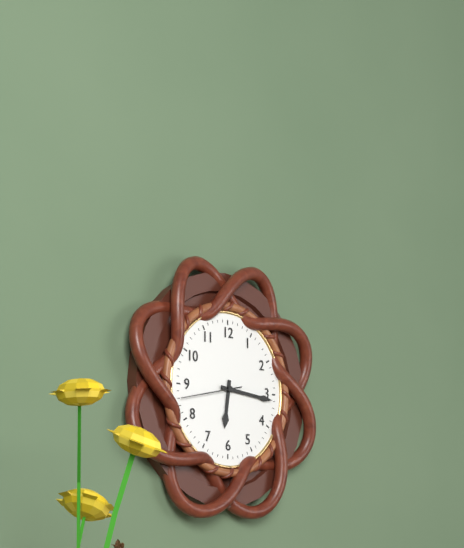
6h16
